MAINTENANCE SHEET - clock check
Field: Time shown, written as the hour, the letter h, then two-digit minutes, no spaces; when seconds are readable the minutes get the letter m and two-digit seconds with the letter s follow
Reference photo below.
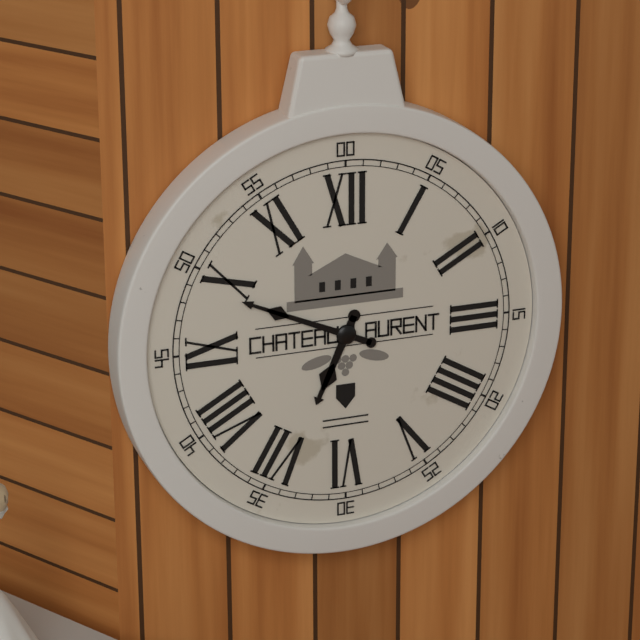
6h49
